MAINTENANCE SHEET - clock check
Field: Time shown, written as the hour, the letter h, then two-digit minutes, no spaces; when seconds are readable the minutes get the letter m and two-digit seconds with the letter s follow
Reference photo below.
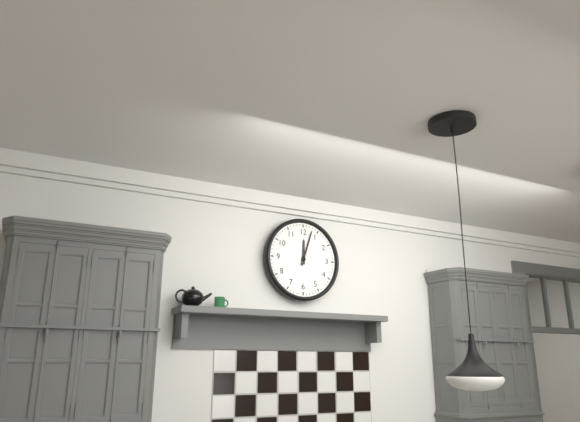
12h03
